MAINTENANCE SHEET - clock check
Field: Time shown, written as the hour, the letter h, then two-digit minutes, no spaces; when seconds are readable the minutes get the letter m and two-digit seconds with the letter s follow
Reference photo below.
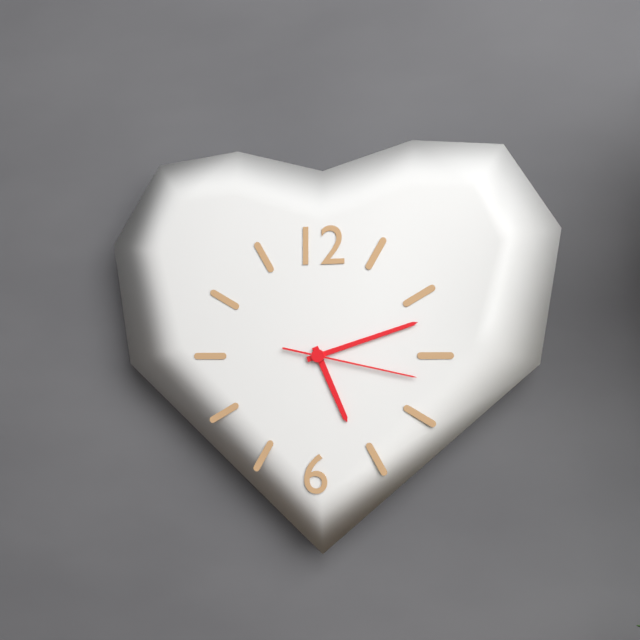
5h12m17s
